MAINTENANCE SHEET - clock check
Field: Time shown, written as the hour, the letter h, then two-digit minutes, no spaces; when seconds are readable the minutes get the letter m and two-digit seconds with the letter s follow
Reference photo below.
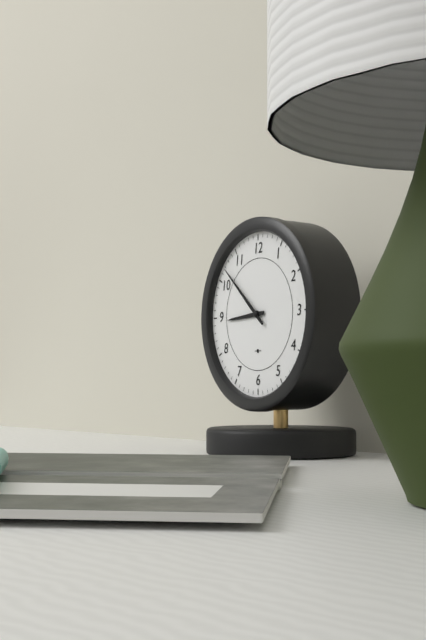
8h52
